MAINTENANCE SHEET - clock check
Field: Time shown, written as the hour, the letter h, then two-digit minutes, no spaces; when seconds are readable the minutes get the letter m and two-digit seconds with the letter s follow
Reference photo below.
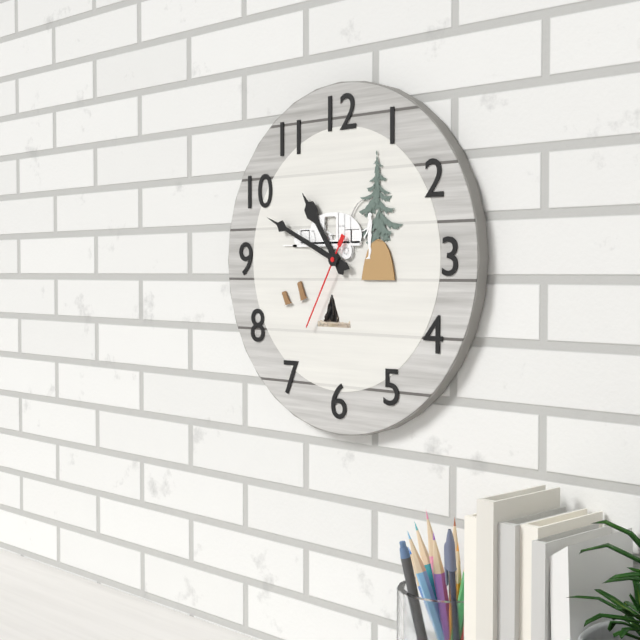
10h49m35s
